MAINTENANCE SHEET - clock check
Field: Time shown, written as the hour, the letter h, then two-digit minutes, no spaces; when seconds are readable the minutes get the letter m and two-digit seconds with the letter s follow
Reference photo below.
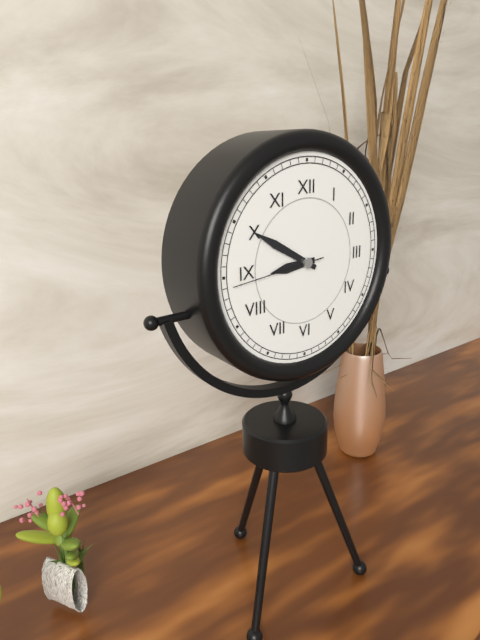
8h50m44s
